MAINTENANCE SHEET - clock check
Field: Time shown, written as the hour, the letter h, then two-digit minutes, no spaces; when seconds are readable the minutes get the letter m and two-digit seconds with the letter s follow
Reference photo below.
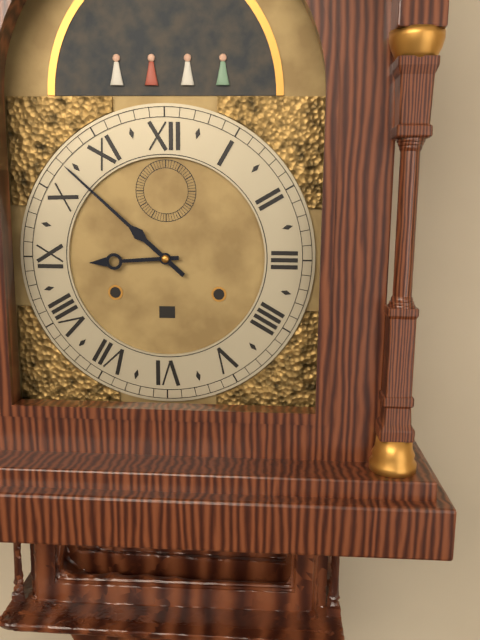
8h52
